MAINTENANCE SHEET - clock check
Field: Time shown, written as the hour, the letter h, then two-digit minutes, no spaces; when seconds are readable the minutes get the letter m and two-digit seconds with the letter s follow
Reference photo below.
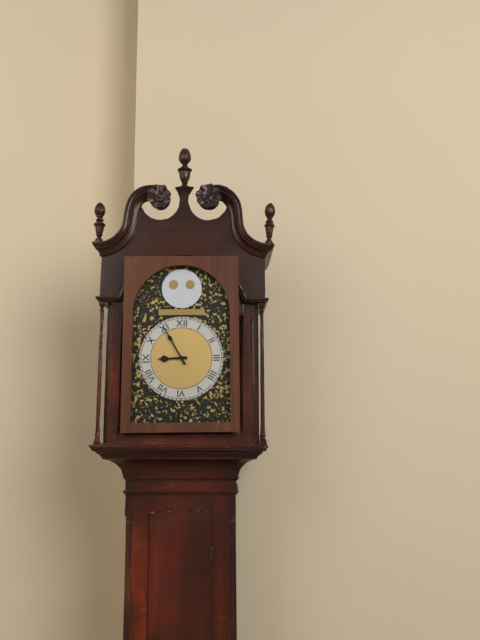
8h55
